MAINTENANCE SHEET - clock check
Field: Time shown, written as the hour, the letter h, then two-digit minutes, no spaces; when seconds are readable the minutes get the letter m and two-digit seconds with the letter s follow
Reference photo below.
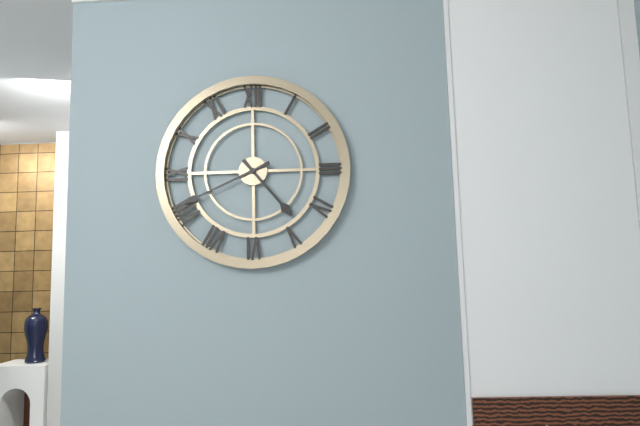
4h41
